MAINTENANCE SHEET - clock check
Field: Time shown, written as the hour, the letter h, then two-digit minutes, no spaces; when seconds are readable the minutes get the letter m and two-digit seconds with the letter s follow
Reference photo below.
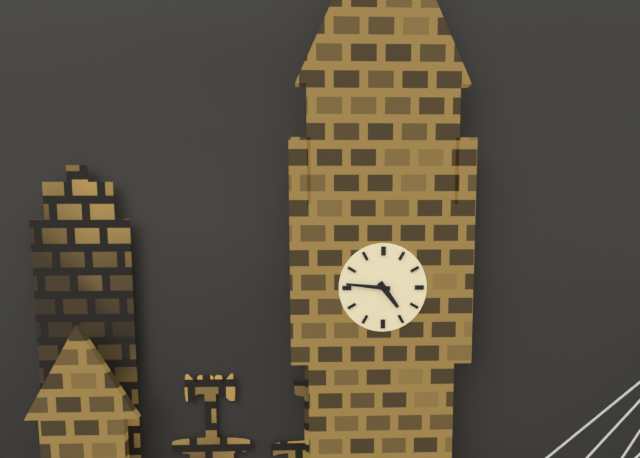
4h46
